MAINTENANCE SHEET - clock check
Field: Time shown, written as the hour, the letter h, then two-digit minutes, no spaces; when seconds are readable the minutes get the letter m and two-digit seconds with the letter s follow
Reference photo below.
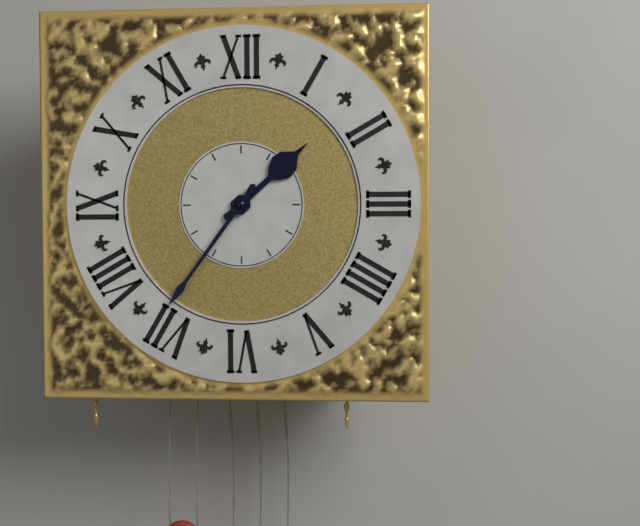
1h36
